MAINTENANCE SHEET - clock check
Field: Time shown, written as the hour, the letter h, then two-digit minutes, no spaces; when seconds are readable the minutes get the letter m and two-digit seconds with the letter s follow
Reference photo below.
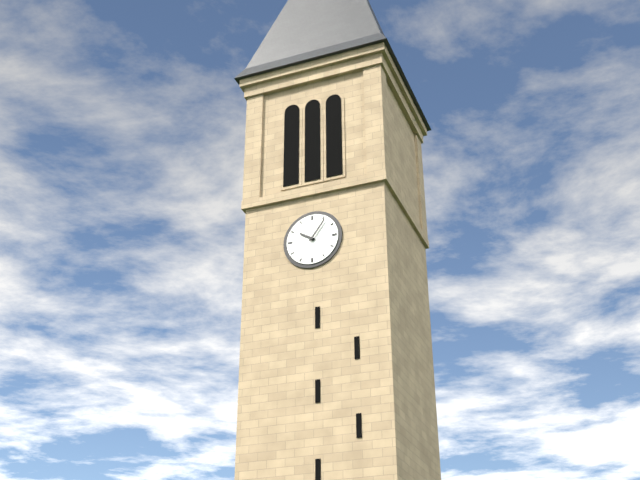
10h06
